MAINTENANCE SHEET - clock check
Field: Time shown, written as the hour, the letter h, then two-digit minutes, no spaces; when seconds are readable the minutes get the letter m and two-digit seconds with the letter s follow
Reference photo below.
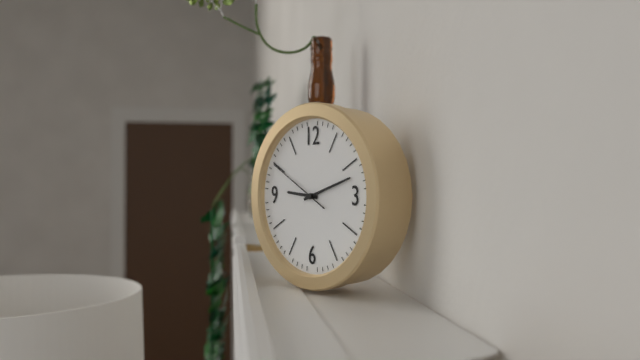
9h12m50s
